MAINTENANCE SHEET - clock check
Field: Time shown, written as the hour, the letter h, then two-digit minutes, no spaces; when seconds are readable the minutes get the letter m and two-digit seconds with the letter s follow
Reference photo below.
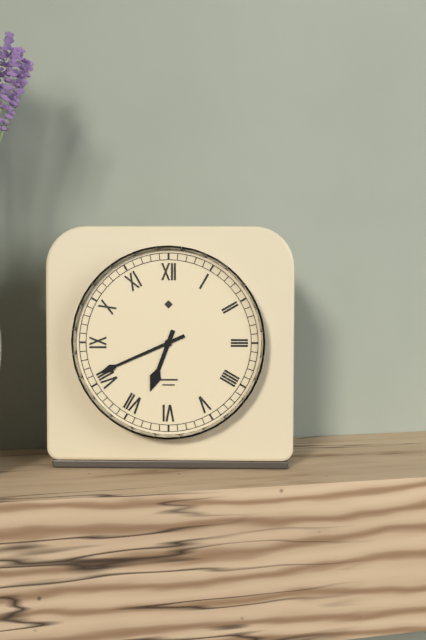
6h41
